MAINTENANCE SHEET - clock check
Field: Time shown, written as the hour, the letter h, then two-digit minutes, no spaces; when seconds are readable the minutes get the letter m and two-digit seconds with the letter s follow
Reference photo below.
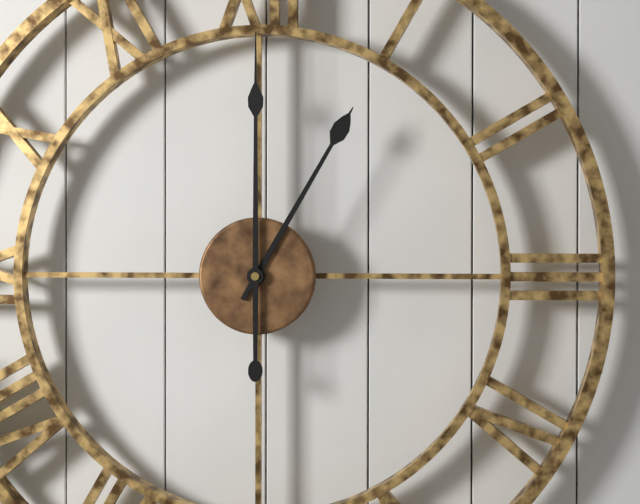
1h00
